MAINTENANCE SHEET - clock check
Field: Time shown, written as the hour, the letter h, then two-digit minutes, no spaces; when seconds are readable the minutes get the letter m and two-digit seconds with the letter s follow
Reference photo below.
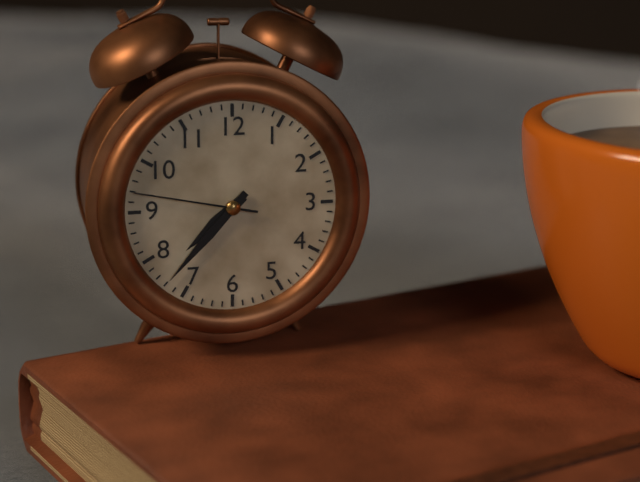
7h37m47s
